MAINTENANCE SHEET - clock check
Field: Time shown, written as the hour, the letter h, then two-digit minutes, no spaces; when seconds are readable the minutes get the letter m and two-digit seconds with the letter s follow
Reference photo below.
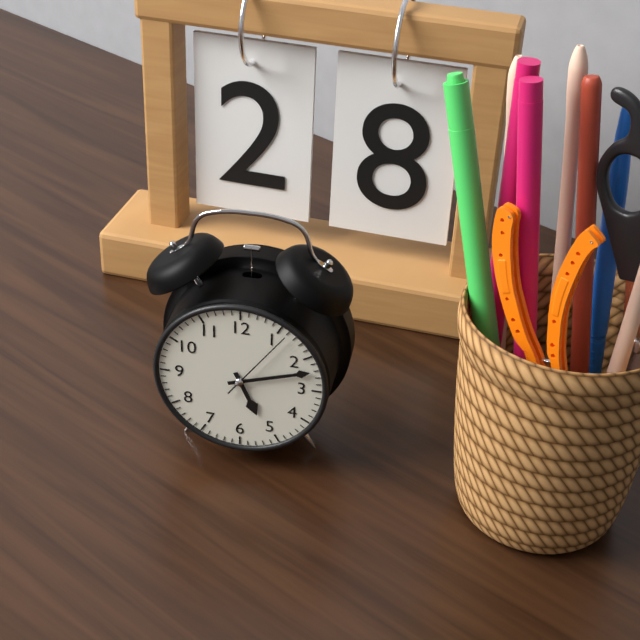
5h12m06s
